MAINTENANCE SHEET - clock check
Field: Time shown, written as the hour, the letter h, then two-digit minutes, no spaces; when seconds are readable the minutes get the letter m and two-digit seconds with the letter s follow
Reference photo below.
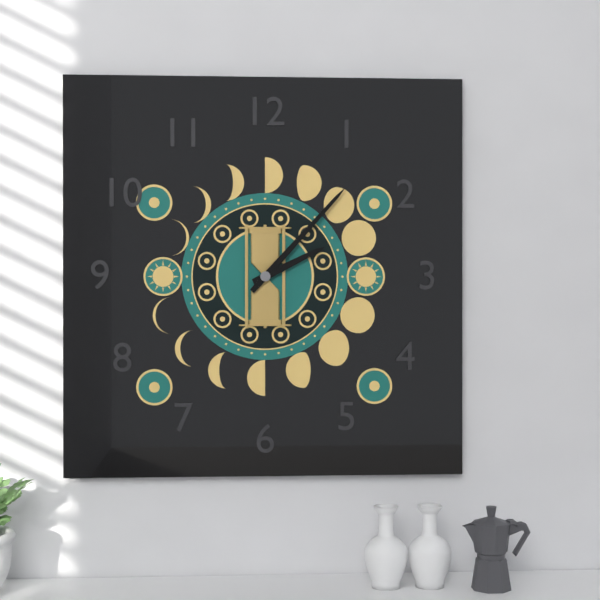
2h07
